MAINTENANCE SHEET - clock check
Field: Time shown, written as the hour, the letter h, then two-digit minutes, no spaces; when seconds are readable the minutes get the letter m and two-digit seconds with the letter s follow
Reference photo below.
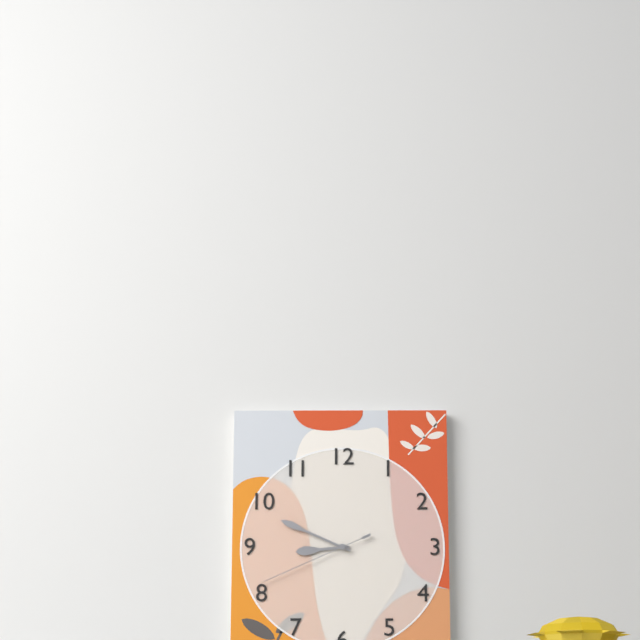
8h49m41s
